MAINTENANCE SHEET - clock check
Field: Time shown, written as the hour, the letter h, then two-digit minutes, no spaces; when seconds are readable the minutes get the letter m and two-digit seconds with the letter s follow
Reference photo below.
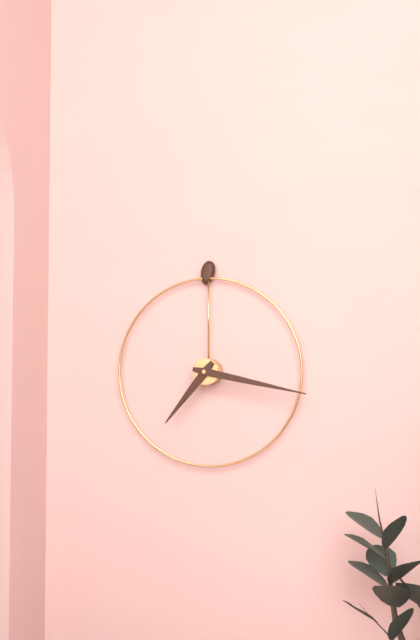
7h17
